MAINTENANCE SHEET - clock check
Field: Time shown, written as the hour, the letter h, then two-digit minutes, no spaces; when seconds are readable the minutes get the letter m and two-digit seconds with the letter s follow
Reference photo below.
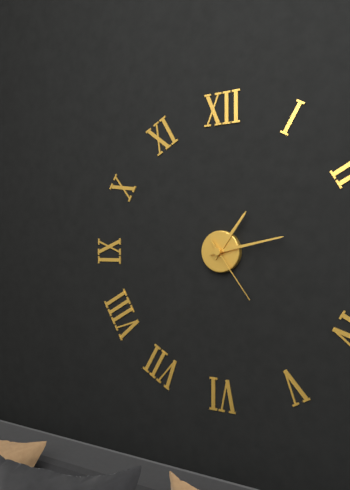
1h13m24s
